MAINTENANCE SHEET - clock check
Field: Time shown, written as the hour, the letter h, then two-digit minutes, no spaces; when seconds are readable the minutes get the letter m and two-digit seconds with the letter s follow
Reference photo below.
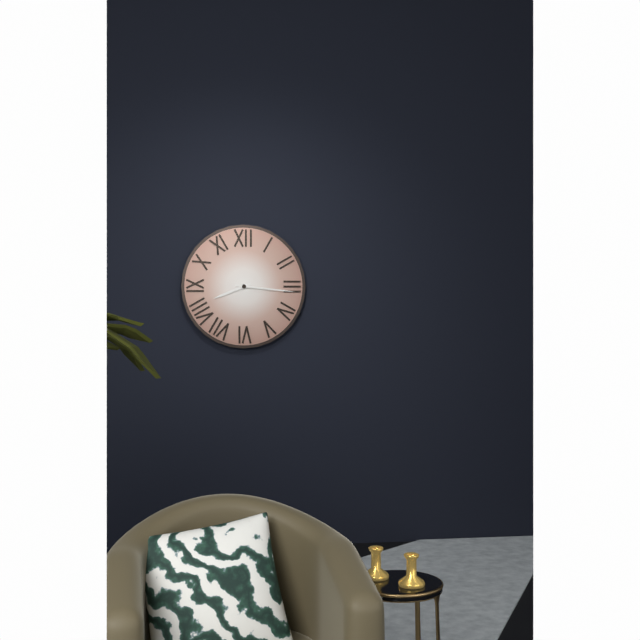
8h16
